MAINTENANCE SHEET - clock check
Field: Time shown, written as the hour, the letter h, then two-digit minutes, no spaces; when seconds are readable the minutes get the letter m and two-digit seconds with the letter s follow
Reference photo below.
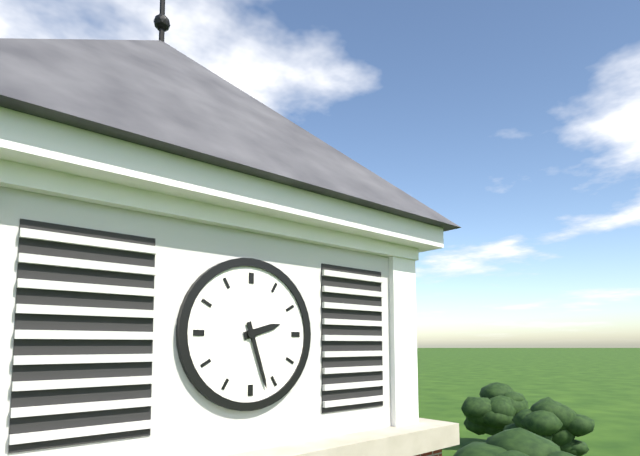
2h27
